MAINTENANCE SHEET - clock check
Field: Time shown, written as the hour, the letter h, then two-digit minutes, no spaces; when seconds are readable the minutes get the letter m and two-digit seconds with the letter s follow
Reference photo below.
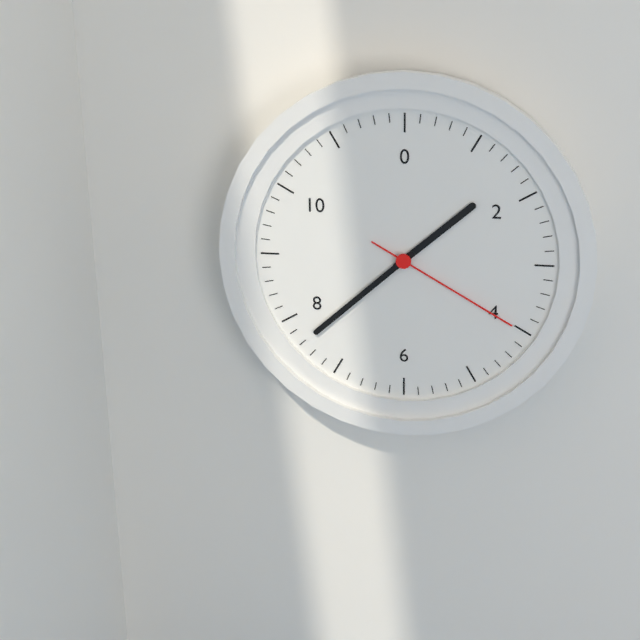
1h38m20s
